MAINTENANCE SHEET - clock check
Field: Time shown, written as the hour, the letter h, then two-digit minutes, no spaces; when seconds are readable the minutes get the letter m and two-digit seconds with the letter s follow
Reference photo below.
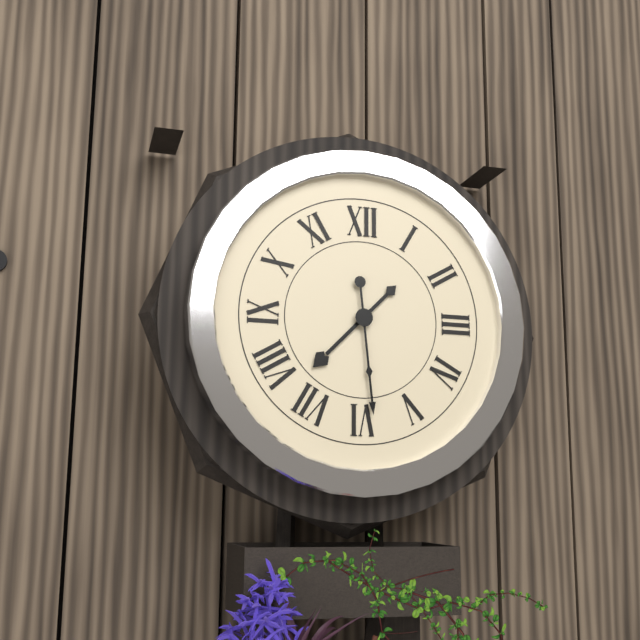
7h29
